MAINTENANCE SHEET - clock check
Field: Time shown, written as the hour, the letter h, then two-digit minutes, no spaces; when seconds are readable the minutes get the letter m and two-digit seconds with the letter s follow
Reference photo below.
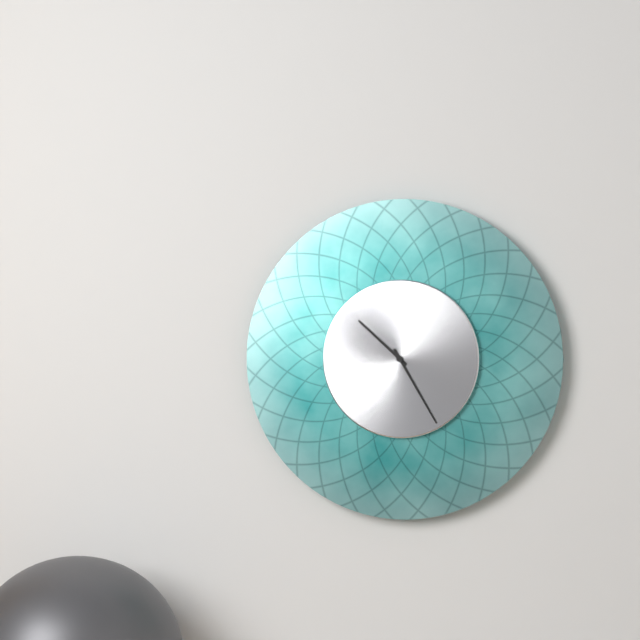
10h25
